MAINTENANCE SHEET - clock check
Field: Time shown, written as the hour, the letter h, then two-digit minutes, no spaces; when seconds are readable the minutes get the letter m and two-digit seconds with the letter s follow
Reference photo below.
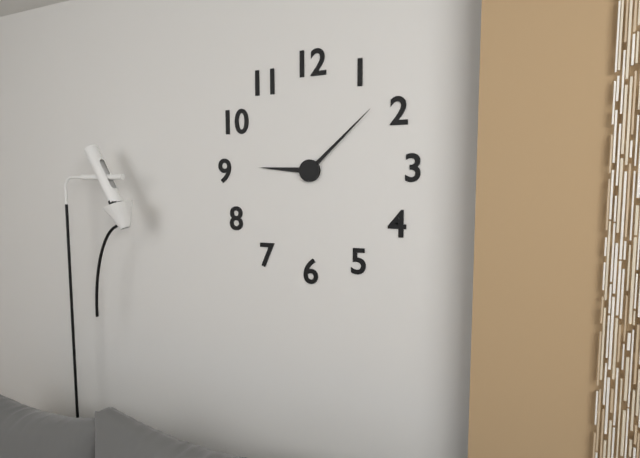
9h08
